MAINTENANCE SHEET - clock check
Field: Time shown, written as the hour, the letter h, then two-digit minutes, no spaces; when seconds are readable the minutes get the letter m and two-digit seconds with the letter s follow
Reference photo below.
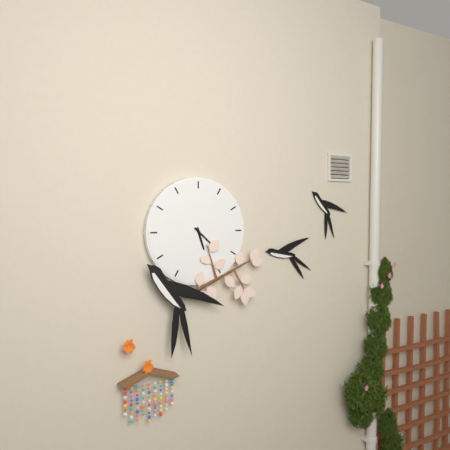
5h22
